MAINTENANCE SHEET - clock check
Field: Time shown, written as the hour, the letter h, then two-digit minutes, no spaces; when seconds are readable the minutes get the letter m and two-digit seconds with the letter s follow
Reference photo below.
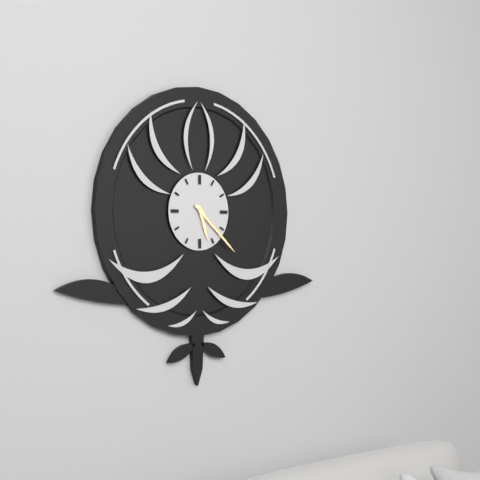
5h22
